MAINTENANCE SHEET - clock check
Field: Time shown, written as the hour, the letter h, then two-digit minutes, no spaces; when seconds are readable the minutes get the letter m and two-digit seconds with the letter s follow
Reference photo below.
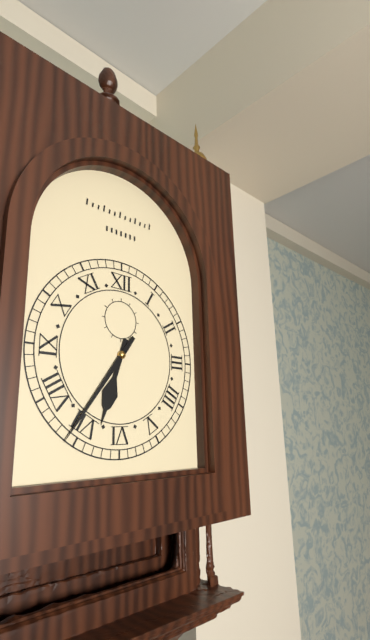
6h36
